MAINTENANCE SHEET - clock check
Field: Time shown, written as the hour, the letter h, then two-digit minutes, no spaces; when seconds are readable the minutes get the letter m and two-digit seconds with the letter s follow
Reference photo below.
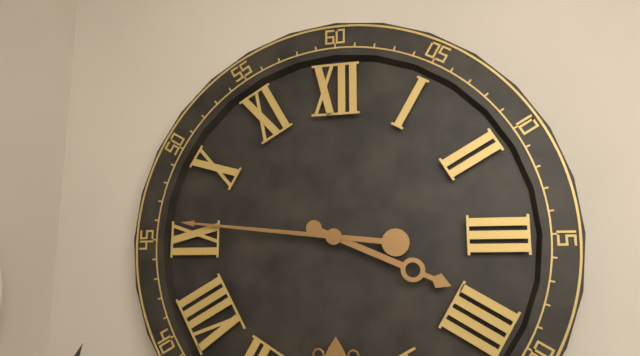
3h46
